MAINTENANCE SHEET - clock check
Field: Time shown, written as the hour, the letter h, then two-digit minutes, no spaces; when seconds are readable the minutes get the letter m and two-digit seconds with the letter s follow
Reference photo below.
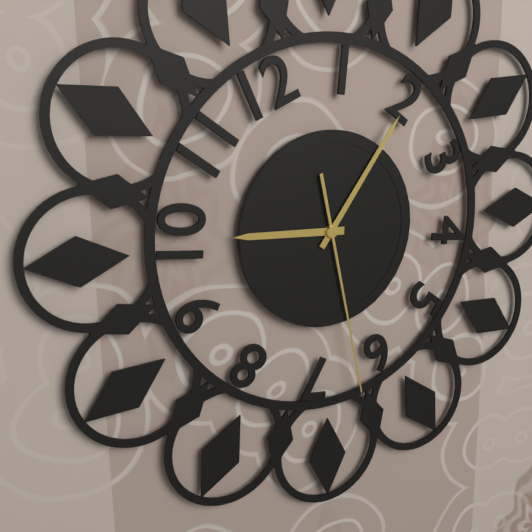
9h06m28s
